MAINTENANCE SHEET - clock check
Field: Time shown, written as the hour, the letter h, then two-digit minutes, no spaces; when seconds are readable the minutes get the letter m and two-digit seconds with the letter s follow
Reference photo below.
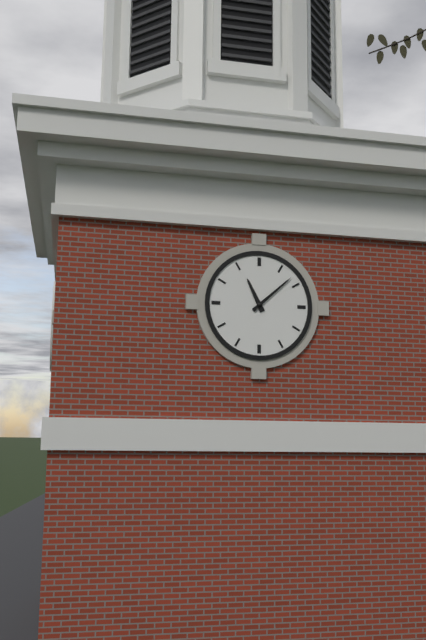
11h08
